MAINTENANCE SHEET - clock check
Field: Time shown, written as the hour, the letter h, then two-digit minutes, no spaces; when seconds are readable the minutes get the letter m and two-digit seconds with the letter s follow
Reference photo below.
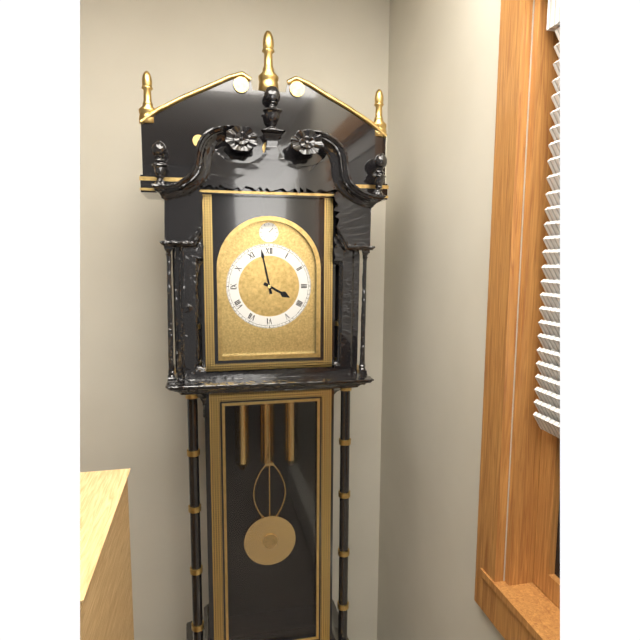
3h58
